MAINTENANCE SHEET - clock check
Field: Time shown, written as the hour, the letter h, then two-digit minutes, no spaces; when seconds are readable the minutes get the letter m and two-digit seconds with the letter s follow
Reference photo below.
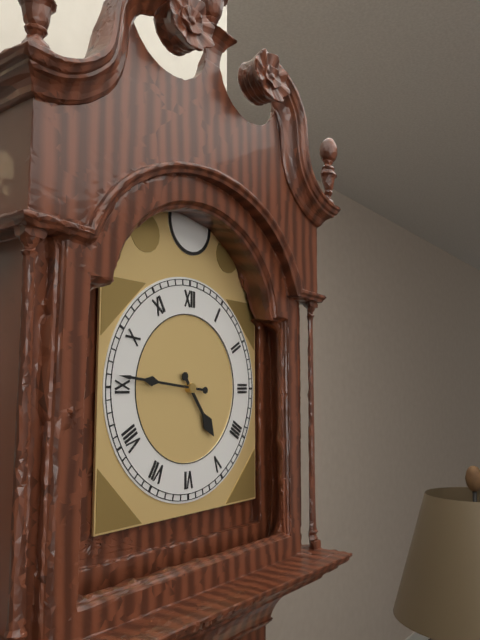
4h46
